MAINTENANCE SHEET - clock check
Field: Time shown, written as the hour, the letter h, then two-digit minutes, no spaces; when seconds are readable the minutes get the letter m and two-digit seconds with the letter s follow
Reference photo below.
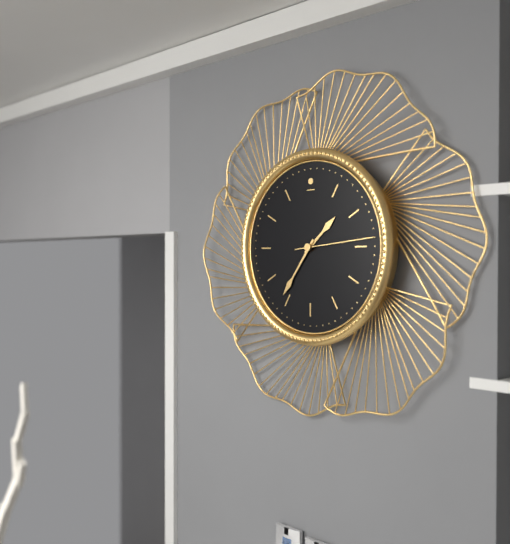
1h36m14s
